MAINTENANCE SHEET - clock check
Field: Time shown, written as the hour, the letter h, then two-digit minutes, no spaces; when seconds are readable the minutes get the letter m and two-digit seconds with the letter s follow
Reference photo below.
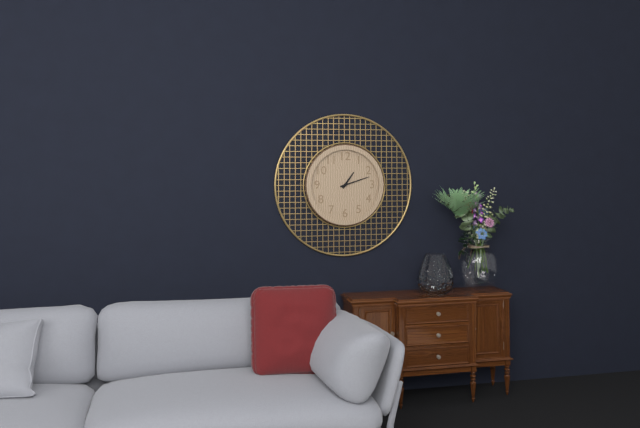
1h12
